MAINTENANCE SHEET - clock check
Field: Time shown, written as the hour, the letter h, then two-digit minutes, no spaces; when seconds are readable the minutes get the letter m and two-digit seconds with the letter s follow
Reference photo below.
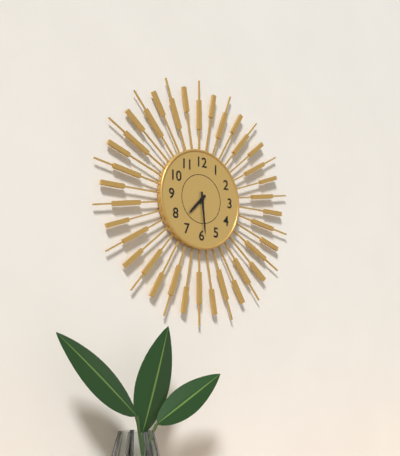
7h29
